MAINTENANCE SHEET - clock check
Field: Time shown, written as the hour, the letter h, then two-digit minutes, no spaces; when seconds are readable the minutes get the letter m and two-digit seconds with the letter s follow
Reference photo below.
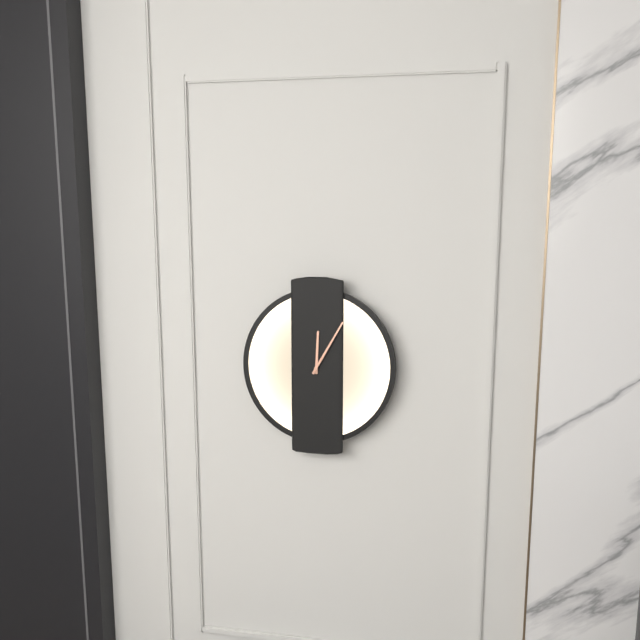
12h05
